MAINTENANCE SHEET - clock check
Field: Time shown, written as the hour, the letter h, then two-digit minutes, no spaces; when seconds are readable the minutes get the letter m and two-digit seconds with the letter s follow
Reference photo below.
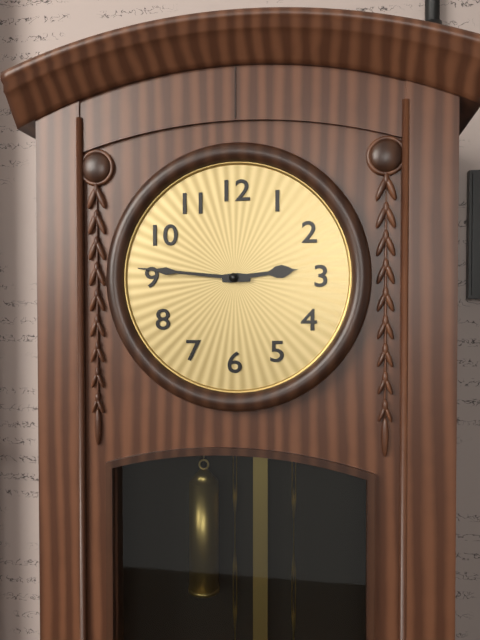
2h46
